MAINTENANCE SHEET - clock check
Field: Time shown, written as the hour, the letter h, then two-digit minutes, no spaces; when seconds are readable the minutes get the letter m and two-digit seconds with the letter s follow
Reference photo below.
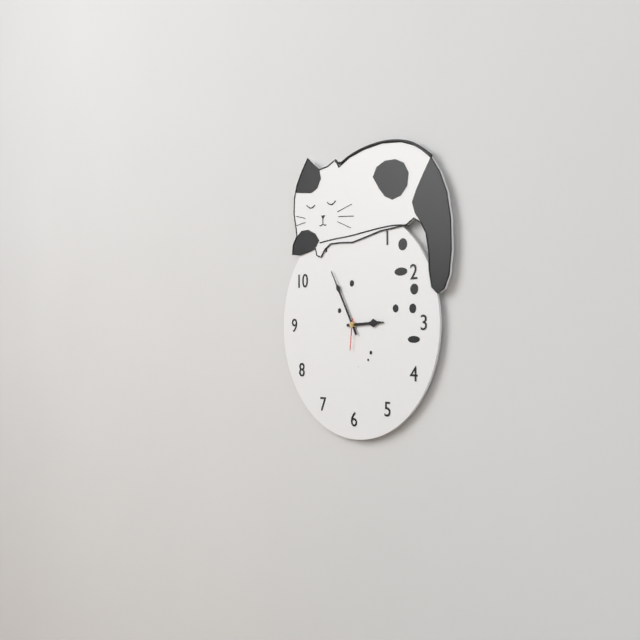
2h55
